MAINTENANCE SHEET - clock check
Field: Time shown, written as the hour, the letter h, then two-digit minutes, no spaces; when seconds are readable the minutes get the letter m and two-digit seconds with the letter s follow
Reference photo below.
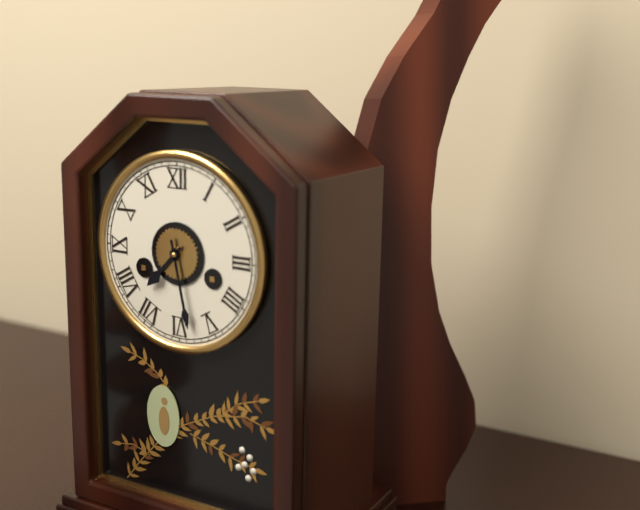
7h28
